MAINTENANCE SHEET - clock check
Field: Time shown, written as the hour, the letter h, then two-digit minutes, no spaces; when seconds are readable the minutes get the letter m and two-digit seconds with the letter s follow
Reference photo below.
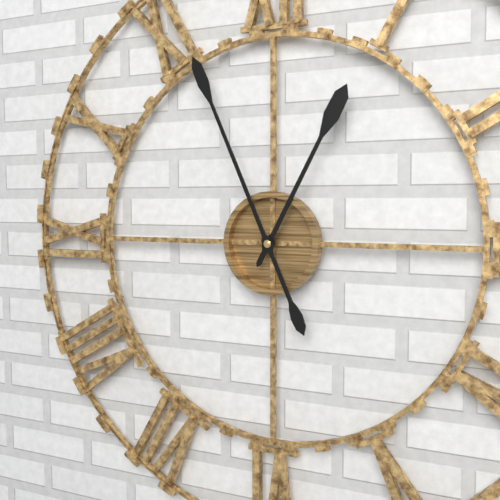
12h56
